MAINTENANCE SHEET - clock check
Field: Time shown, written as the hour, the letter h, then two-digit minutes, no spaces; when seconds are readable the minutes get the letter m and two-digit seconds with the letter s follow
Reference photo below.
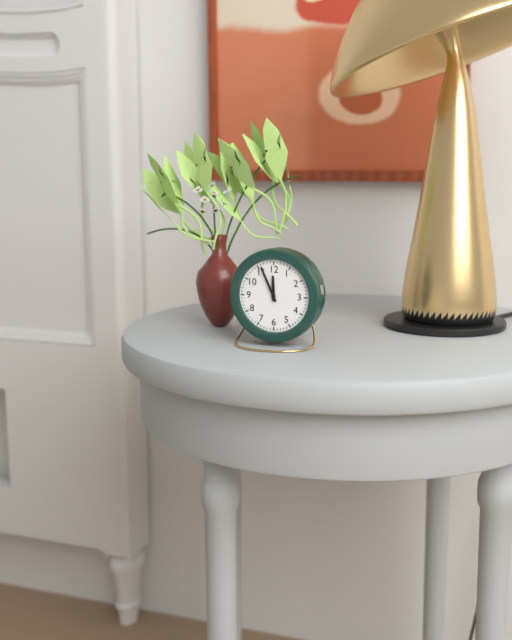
11h56
